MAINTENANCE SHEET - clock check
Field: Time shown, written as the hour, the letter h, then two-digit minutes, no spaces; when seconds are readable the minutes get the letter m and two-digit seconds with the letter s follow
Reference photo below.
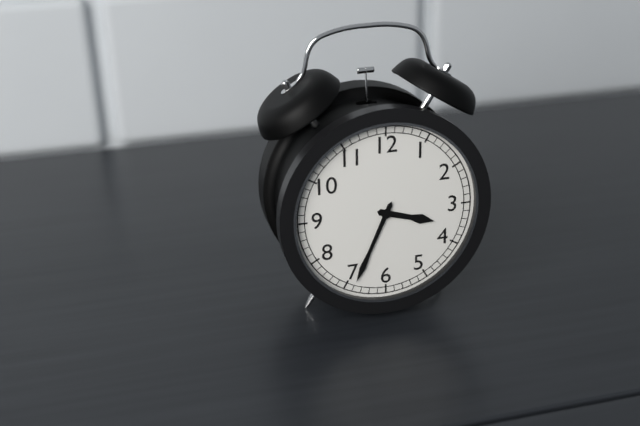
3h34
